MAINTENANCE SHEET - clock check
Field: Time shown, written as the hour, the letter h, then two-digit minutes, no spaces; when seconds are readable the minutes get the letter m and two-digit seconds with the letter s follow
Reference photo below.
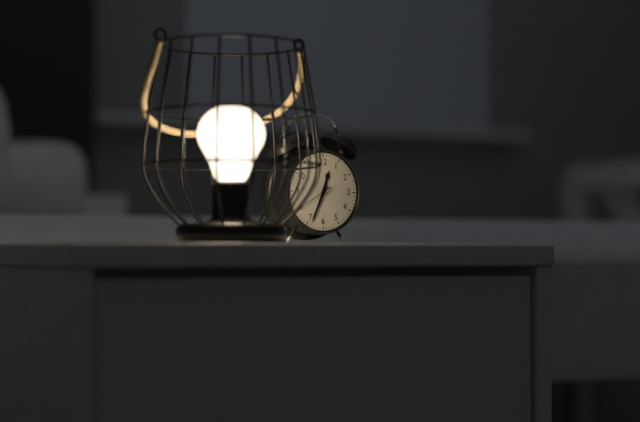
12h34
